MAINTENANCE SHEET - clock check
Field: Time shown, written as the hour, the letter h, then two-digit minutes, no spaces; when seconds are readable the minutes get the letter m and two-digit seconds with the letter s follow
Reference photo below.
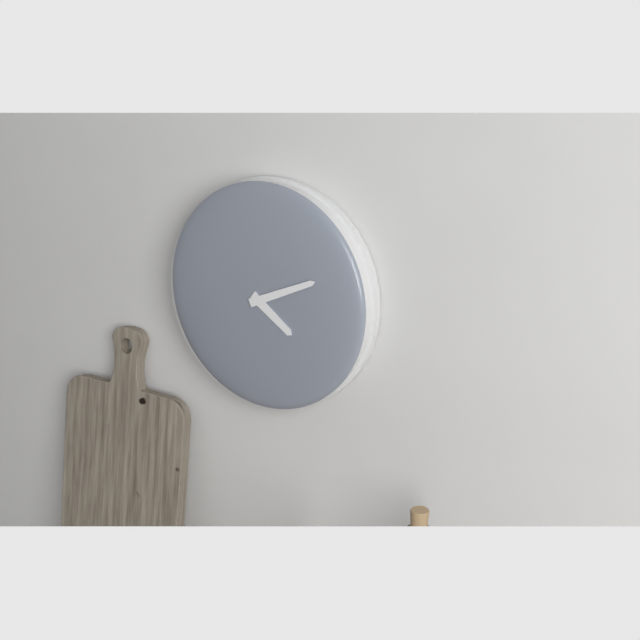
4h11
